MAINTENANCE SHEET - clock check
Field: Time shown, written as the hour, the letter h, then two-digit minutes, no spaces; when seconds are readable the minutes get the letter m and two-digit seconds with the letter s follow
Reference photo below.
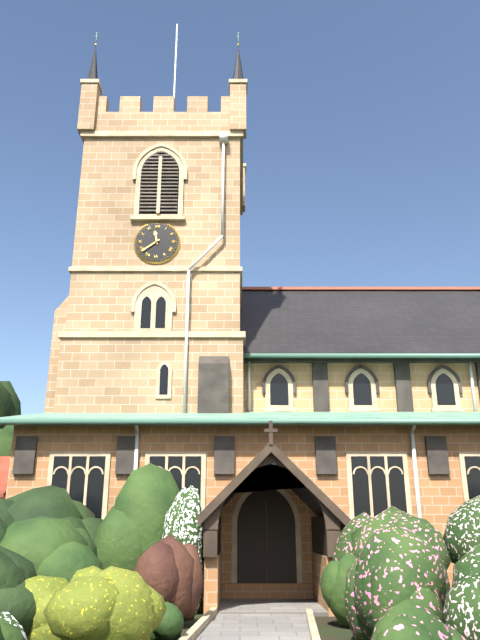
11h39
